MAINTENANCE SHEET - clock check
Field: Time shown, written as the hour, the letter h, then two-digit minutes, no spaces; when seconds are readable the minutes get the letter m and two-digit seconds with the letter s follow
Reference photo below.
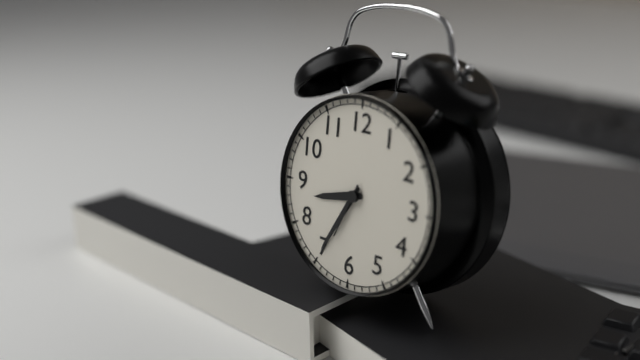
8h35m34s
